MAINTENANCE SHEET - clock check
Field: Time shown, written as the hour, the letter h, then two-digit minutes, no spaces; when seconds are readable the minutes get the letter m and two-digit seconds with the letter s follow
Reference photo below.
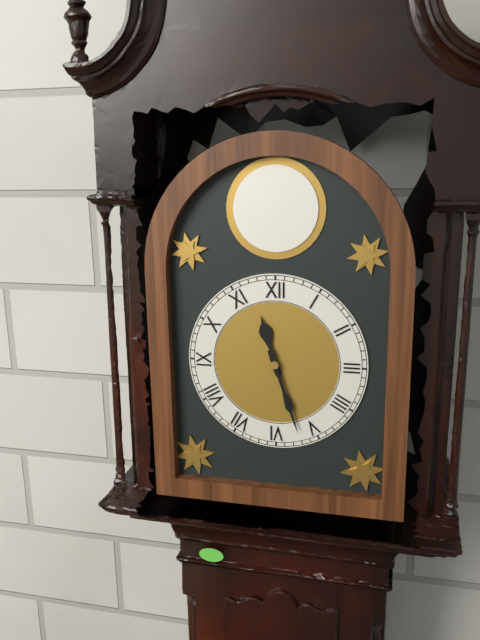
11h27
